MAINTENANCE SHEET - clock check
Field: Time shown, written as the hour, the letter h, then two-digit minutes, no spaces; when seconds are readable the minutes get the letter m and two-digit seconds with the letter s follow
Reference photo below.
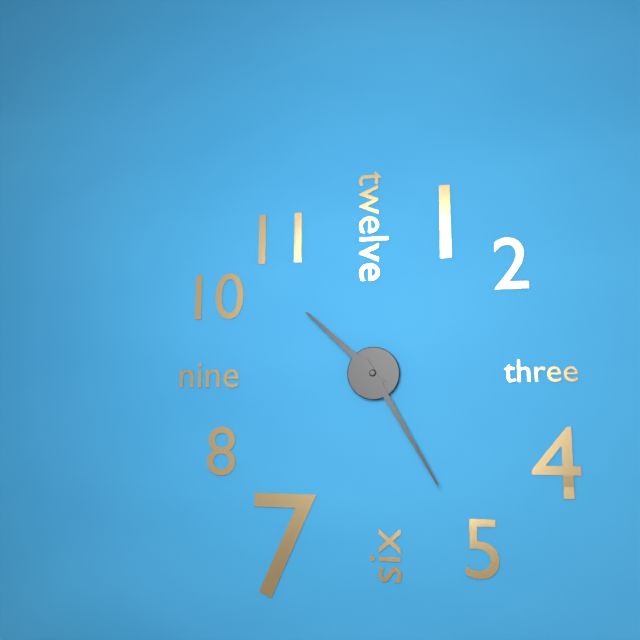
10h25
